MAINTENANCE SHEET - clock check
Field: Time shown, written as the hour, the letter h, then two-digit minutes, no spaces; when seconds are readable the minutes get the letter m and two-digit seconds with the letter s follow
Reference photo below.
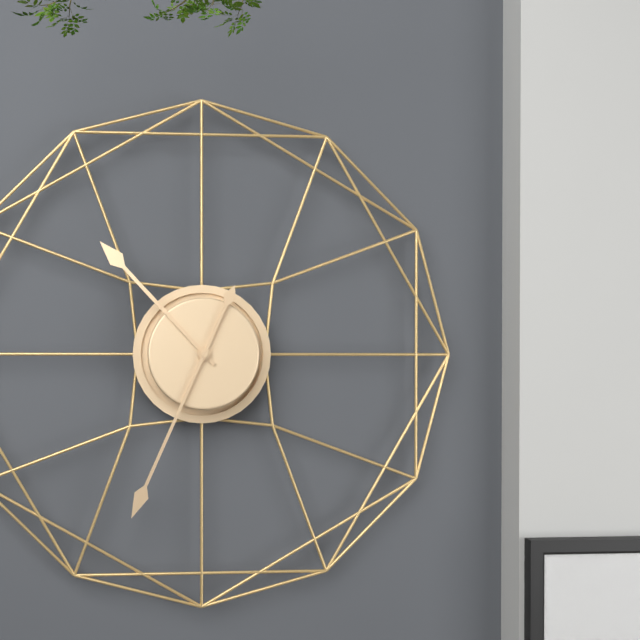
10h34
